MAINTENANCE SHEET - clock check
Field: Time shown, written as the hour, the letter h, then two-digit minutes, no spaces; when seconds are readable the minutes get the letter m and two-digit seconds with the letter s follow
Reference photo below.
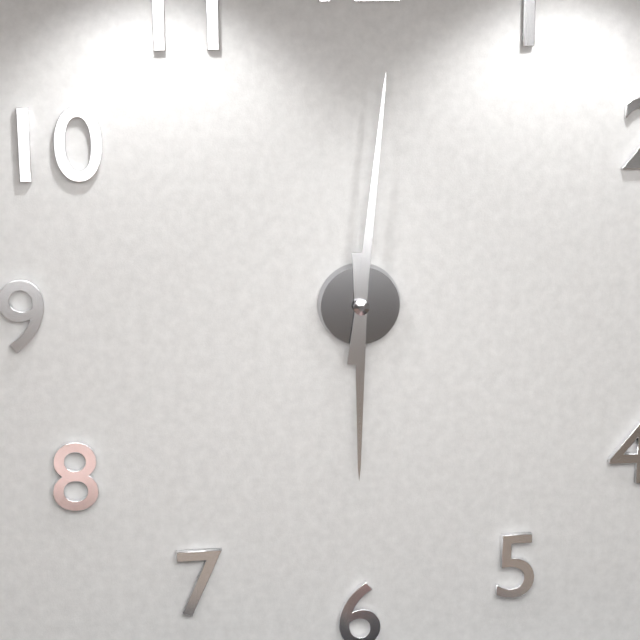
6h01
